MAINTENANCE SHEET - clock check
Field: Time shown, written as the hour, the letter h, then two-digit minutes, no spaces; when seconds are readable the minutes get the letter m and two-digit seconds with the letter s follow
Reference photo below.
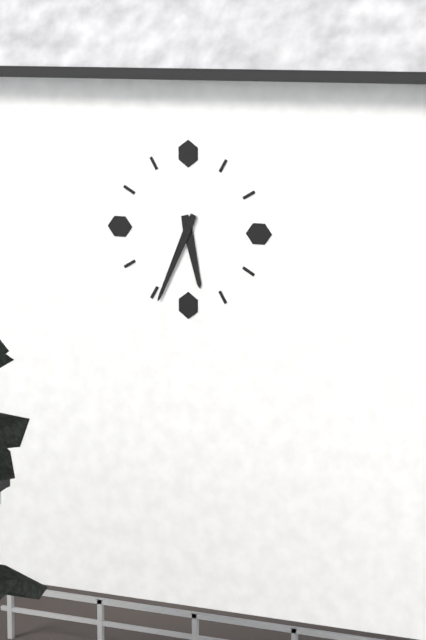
5h34
